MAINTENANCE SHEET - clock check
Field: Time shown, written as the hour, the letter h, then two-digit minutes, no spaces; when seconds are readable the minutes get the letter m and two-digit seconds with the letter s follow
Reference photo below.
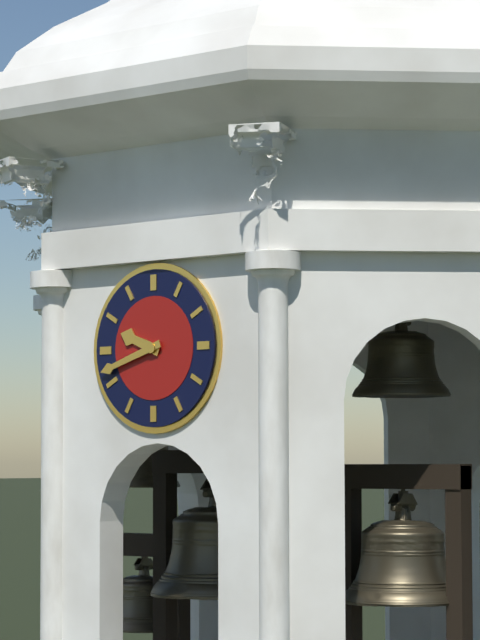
9h42
